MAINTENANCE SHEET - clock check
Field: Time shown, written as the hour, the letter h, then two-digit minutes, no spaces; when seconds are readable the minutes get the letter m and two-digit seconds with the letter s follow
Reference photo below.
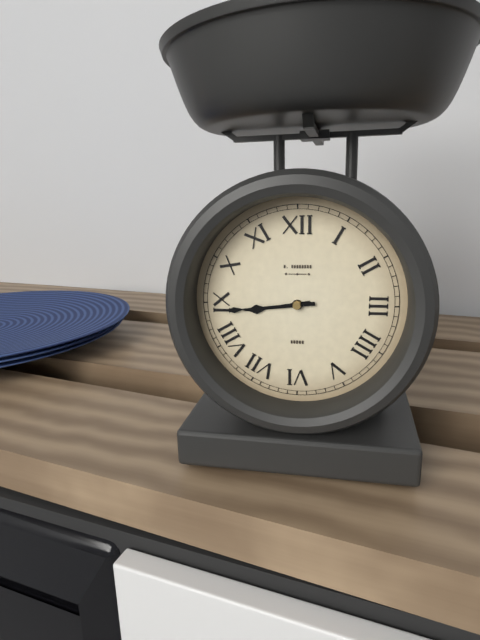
8h44
